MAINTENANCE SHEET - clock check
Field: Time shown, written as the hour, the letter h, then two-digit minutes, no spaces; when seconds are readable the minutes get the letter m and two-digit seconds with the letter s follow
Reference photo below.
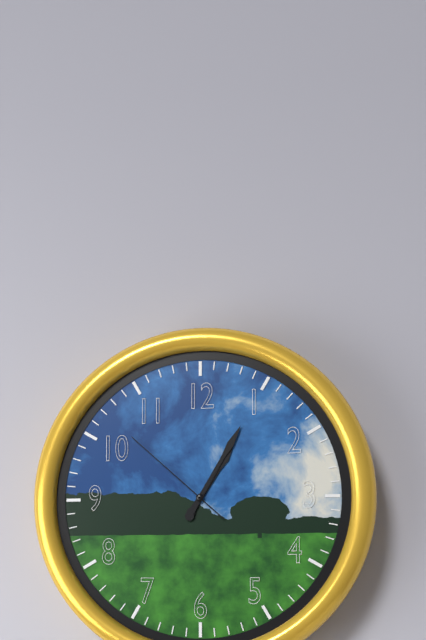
1h05m52s
